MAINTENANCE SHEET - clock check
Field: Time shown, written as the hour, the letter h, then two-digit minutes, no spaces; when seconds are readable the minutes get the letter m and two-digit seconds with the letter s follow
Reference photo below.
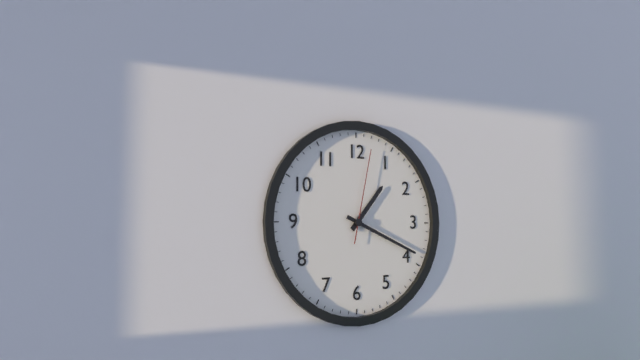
1h19m02s
